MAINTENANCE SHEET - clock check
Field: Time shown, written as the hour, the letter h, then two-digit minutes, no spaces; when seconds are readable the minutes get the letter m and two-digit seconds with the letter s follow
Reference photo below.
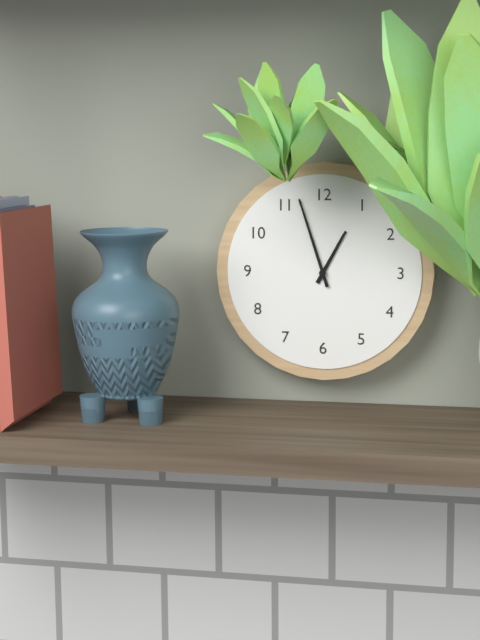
12h57
